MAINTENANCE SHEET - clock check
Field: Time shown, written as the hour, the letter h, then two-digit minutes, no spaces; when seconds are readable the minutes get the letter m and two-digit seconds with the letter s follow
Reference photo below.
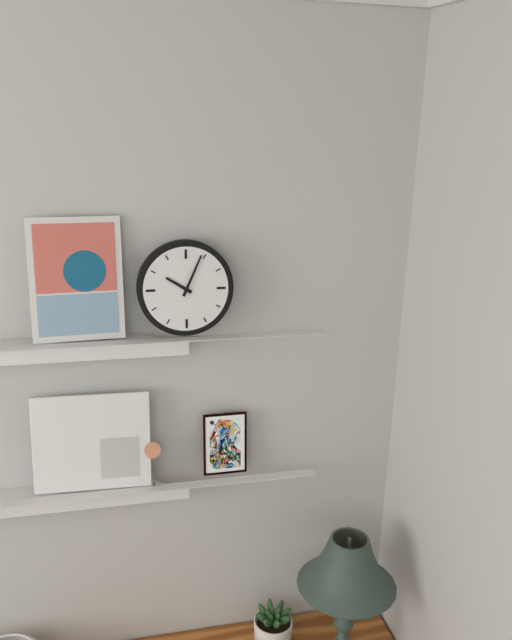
10h04
